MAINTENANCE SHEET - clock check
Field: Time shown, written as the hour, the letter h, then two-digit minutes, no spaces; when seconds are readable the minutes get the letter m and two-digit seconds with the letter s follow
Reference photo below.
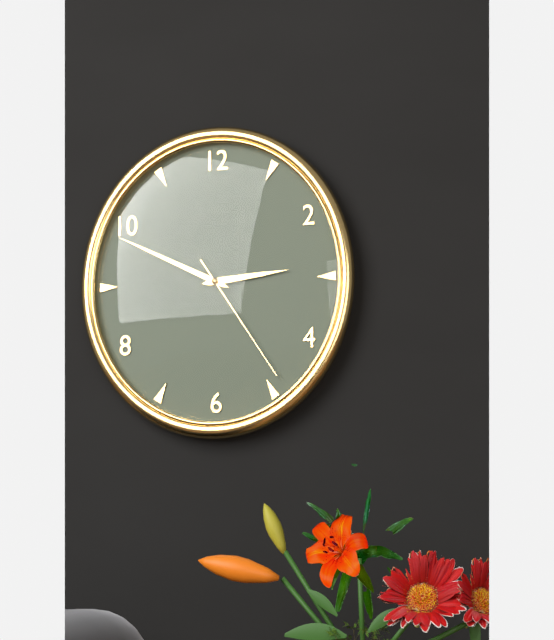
2h49m24s
